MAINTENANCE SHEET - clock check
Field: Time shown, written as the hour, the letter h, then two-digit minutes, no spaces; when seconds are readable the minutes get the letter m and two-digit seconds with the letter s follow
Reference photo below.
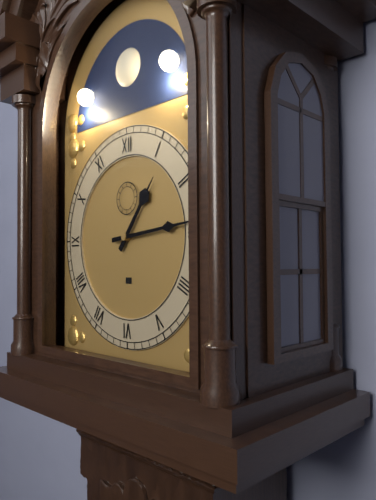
1h14
